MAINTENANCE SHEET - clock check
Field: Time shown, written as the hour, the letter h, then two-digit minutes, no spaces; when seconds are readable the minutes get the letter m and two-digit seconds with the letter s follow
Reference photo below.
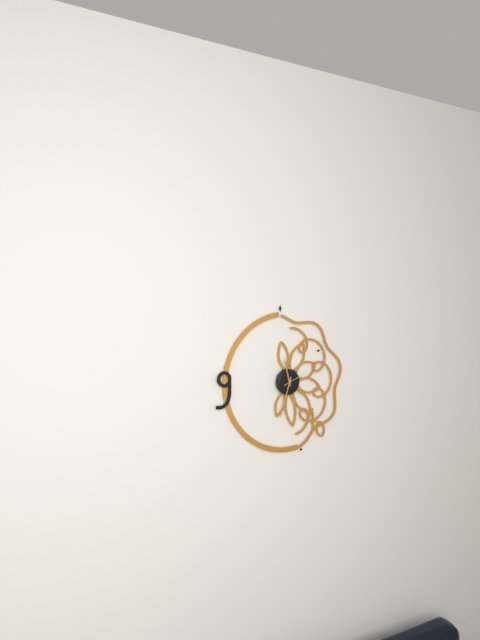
11h33
